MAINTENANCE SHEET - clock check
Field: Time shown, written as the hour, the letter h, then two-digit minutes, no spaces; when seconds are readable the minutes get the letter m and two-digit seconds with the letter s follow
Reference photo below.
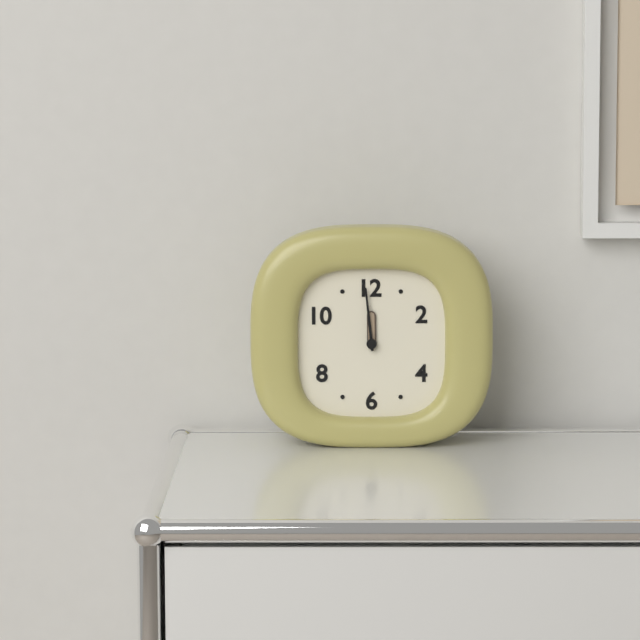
11h59
